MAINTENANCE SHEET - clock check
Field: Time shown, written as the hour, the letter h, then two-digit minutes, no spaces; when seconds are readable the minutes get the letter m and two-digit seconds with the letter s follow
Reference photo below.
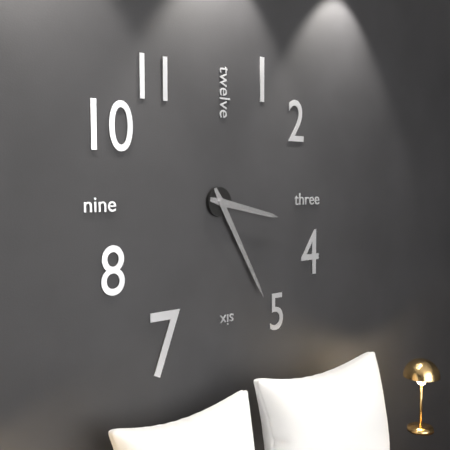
3h25
